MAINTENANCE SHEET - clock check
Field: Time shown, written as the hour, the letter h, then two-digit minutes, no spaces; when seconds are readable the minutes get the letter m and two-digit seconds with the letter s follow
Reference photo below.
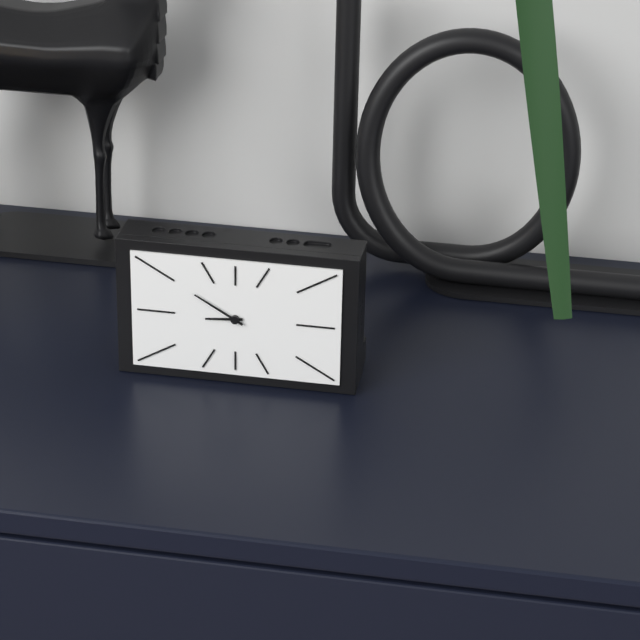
8h50
